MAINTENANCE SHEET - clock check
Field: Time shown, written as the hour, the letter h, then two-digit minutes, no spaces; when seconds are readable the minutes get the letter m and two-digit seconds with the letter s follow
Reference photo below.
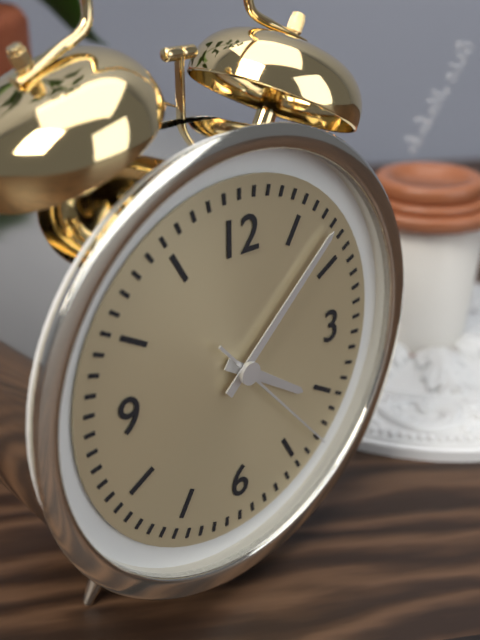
4h08m23s
